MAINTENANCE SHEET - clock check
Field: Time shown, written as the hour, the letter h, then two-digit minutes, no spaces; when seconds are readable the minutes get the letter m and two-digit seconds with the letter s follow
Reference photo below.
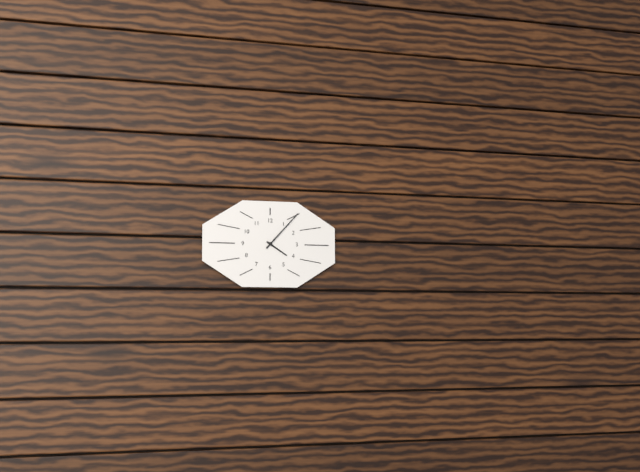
4h07
